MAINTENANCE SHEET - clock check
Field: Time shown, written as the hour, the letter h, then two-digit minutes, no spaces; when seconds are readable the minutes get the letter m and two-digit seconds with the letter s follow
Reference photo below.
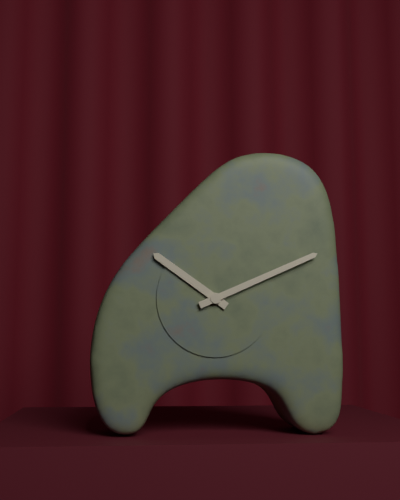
10h11
